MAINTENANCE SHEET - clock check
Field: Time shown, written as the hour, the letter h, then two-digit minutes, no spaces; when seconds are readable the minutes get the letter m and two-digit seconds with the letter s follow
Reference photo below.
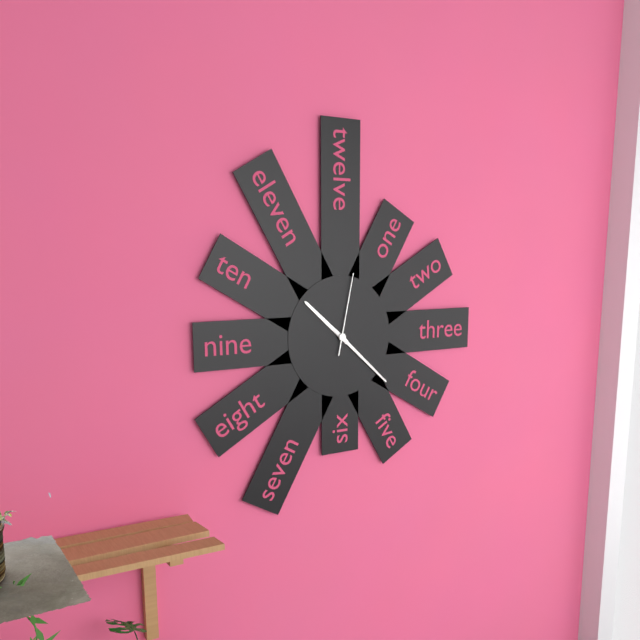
10h22m02s
